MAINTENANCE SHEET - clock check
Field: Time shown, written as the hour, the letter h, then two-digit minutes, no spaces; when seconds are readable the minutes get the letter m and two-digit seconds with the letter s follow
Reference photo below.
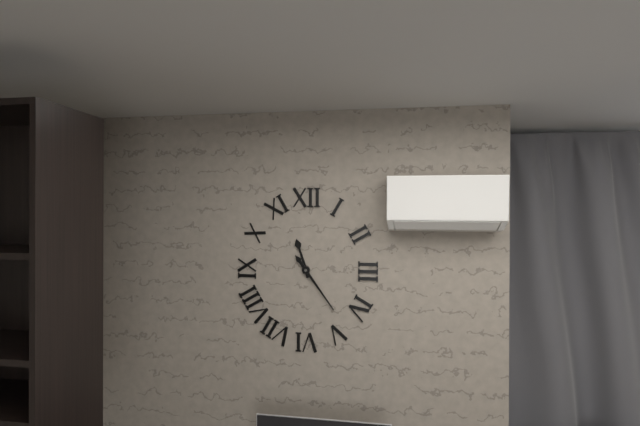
11h24
